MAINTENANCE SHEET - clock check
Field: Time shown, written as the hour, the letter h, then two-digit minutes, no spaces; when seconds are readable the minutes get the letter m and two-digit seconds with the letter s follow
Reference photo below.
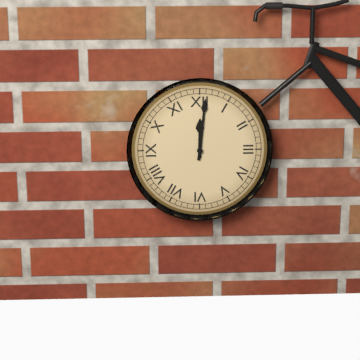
12h01
